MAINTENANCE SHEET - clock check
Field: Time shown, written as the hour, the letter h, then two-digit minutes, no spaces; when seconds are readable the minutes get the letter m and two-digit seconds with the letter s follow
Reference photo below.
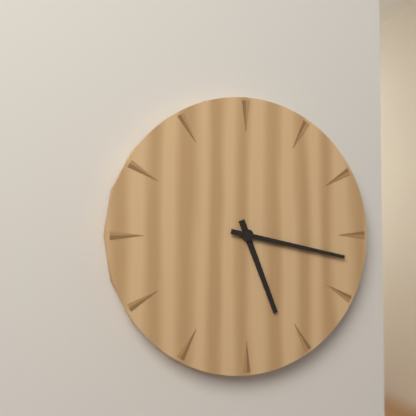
5h17
